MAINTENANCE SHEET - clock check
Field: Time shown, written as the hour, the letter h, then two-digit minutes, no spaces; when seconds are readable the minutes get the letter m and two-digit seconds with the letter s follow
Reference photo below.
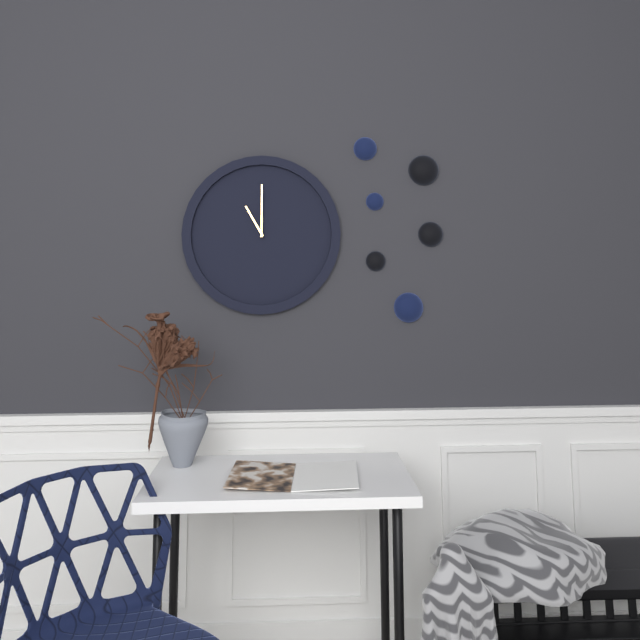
11h00
